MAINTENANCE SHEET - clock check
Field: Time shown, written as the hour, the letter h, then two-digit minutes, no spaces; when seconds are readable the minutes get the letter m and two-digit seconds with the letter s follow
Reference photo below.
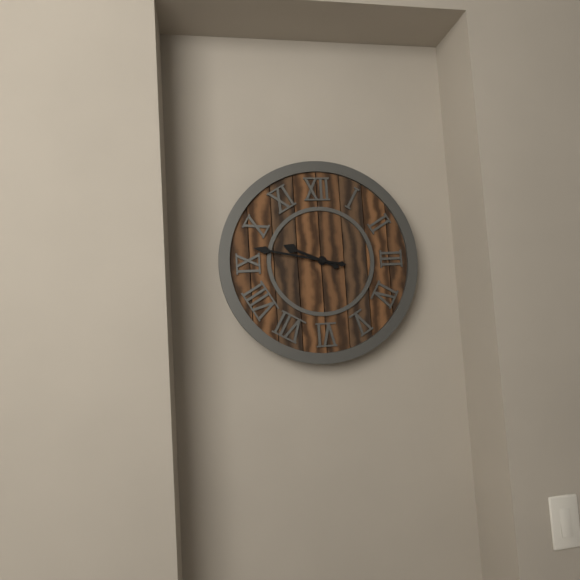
9h47
